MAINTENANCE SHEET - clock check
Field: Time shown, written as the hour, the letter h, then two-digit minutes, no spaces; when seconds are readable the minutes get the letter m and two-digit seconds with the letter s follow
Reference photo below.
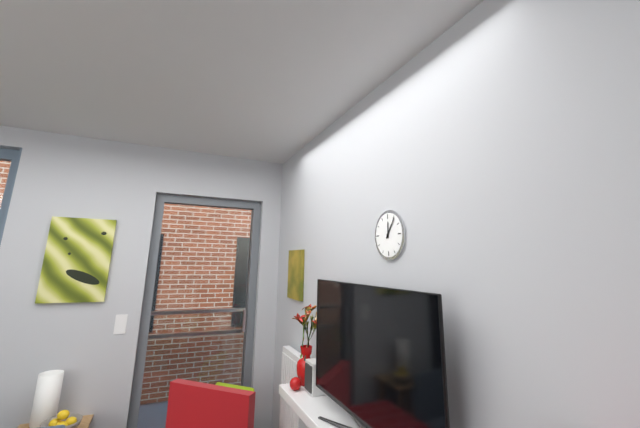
12h06
